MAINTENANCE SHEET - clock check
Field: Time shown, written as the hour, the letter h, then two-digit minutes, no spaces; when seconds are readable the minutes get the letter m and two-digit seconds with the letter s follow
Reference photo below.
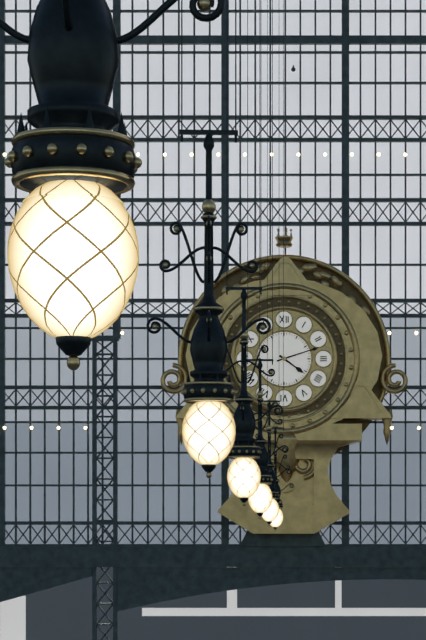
4h12
